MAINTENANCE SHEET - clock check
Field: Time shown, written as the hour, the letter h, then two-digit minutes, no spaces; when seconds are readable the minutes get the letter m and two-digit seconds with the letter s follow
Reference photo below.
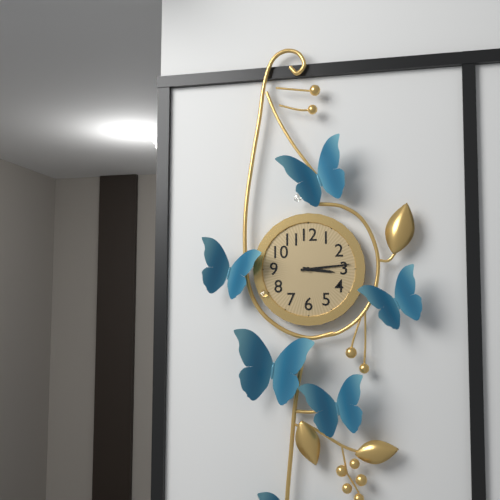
3h14
